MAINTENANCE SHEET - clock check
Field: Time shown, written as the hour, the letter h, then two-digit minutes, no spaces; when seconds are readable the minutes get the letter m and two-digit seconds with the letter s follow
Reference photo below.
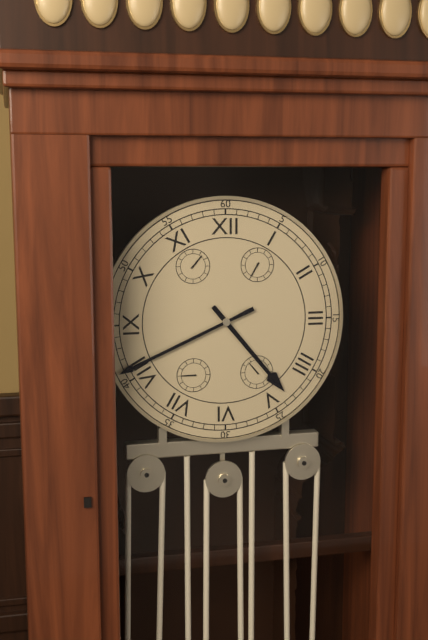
4h41
